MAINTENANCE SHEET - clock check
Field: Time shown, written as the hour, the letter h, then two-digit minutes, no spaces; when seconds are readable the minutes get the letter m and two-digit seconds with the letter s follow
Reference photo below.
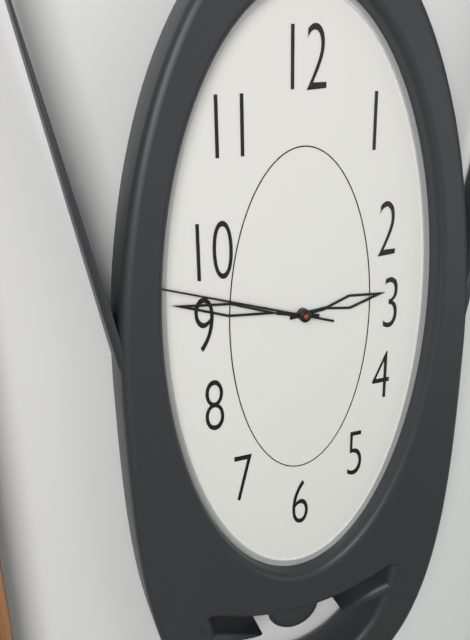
2h47m48s
